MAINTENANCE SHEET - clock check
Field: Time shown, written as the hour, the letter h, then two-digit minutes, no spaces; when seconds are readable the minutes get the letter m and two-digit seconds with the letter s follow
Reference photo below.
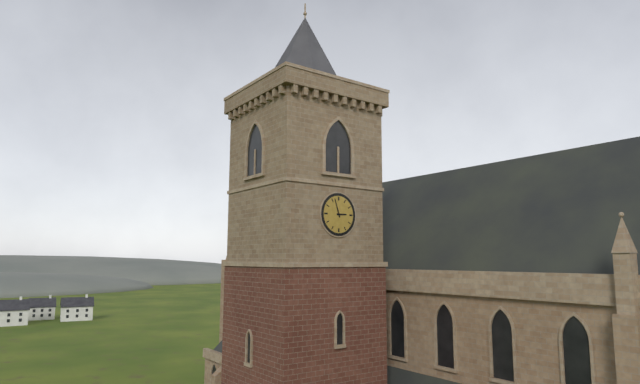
2h57
